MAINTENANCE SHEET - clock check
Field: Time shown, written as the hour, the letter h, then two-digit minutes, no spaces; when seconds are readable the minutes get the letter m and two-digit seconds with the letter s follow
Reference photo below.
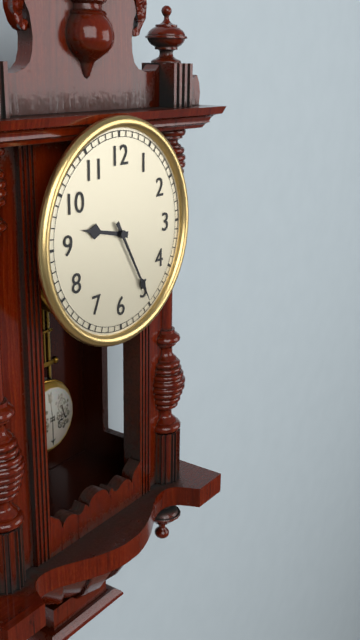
9h25
